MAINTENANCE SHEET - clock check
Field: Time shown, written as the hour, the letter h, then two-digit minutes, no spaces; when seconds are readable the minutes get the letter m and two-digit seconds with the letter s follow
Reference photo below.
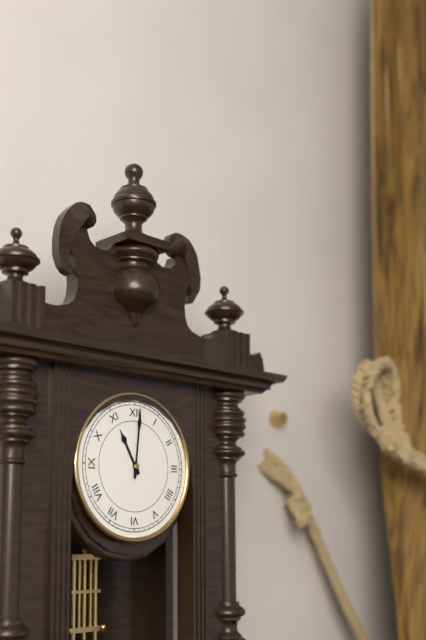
11h01
